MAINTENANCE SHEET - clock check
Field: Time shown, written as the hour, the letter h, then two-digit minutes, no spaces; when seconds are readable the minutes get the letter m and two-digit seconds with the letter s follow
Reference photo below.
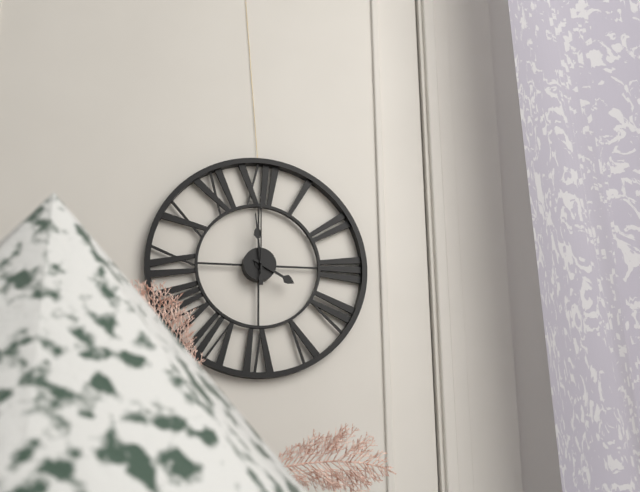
3h59m00s
